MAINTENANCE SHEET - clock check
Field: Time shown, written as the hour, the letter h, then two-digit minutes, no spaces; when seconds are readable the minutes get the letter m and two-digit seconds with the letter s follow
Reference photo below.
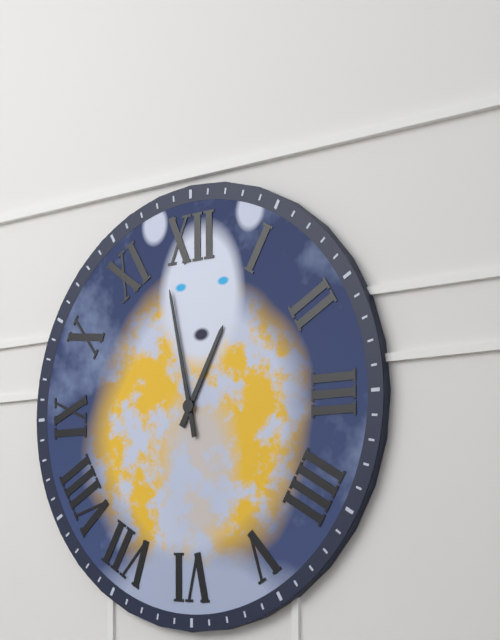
12h58
